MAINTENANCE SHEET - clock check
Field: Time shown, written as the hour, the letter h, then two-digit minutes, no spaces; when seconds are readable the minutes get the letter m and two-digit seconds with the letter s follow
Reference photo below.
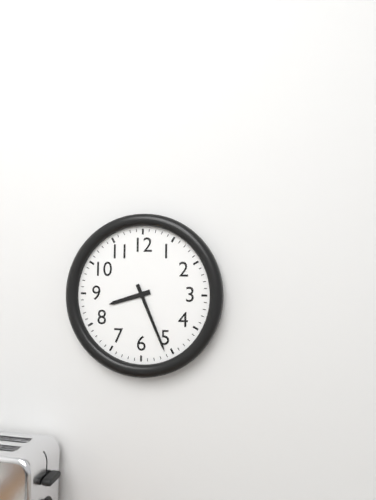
8h26
